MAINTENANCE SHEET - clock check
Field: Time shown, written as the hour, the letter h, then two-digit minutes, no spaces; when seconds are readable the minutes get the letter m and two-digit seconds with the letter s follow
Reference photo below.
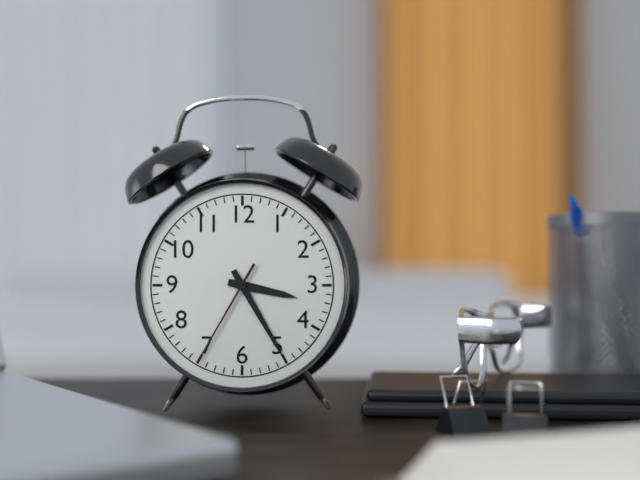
3h25m35s
